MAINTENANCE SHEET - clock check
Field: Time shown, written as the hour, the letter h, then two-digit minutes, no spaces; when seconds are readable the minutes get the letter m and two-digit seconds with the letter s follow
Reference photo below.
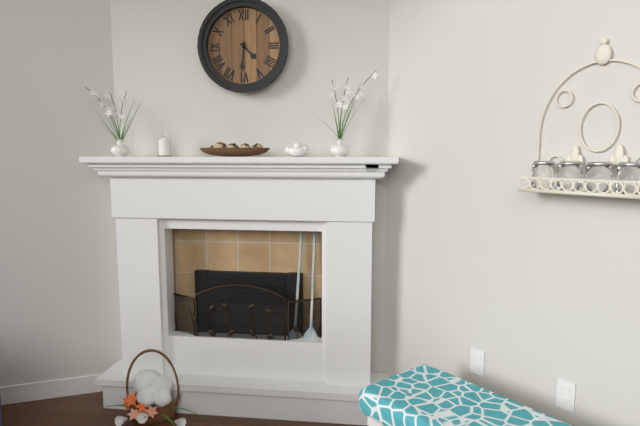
4h31
